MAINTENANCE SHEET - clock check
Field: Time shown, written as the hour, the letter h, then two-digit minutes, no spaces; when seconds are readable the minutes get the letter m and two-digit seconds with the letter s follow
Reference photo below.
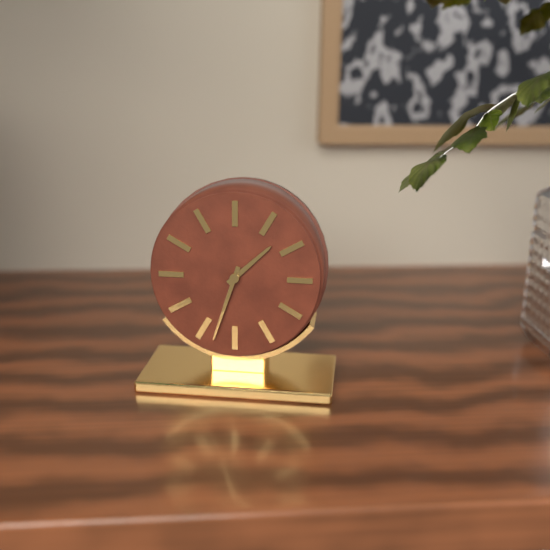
1h33
